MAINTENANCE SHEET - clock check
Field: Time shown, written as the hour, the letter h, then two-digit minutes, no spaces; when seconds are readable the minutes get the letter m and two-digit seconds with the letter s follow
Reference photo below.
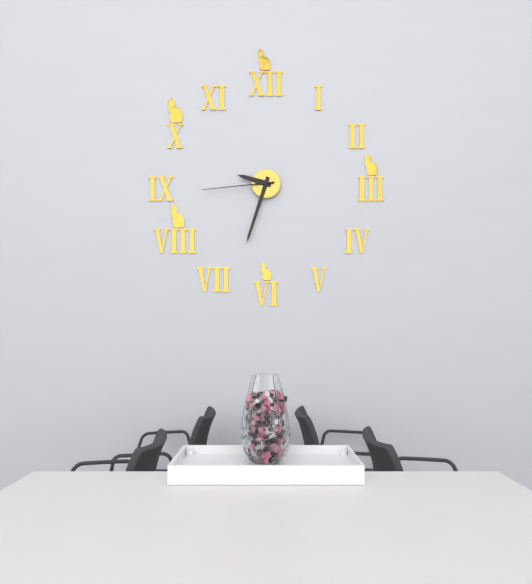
9h33m44s
